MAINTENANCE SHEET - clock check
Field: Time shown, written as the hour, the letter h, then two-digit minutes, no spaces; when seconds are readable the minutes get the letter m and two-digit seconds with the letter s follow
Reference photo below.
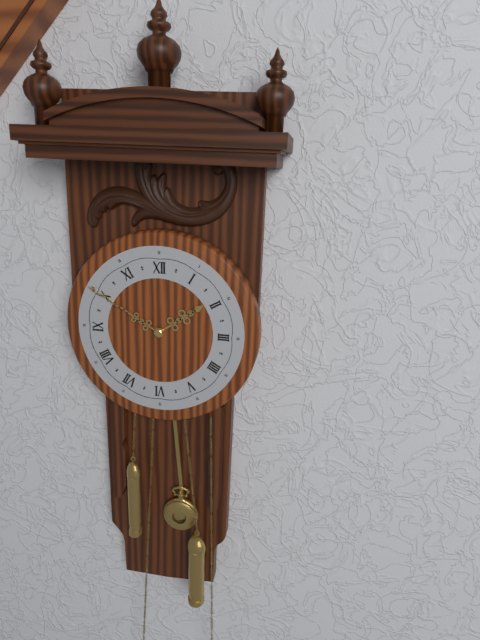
1h50
